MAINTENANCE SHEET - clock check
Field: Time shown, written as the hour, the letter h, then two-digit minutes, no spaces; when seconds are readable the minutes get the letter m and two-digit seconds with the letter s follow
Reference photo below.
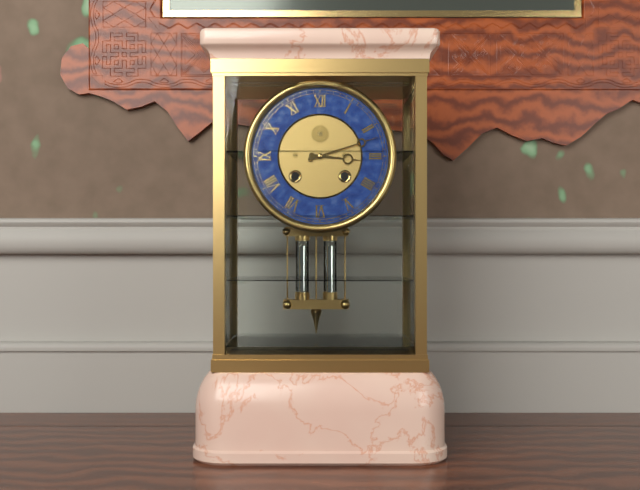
3h12
